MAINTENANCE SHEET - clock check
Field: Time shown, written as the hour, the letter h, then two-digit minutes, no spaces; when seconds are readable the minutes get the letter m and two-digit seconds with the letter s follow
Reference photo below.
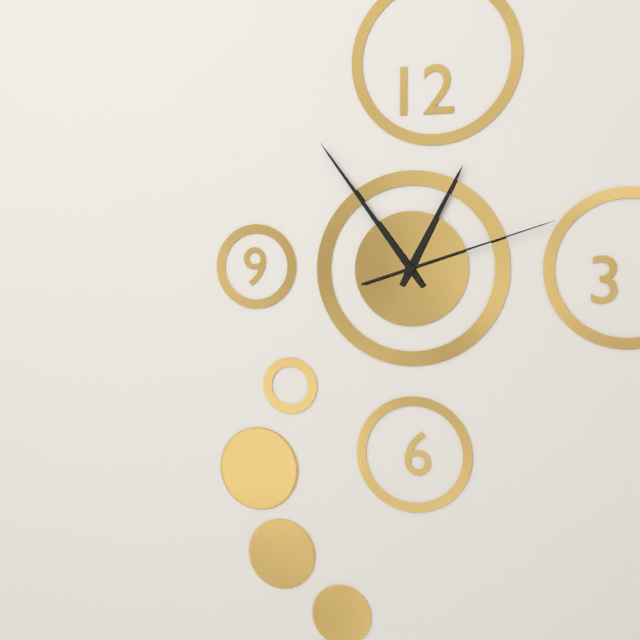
12h54m12s
